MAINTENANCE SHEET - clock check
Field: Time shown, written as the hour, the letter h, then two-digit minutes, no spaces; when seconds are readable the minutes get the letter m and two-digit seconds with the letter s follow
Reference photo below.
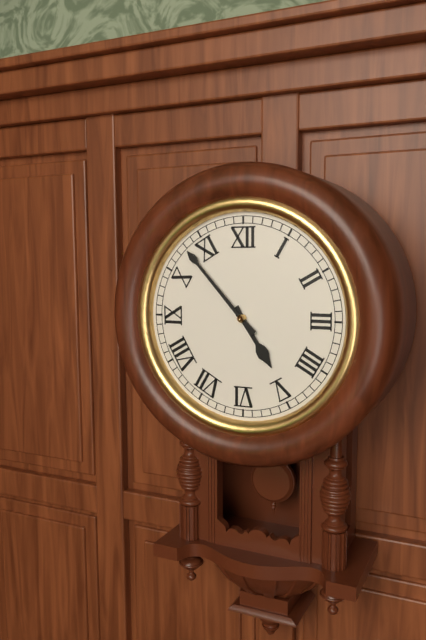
4h53
